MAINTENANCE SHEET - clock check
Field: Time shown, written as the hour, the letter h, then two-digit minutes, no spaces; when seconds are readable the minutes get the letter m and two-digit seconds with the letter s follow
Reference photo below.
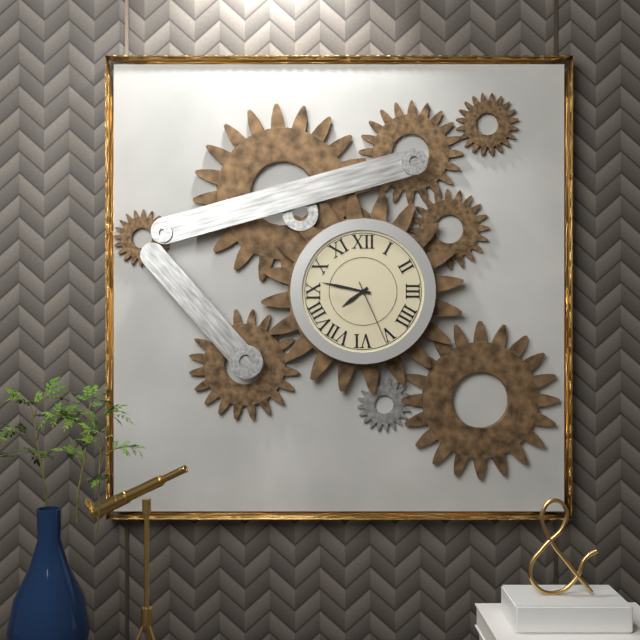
7h47m26s
